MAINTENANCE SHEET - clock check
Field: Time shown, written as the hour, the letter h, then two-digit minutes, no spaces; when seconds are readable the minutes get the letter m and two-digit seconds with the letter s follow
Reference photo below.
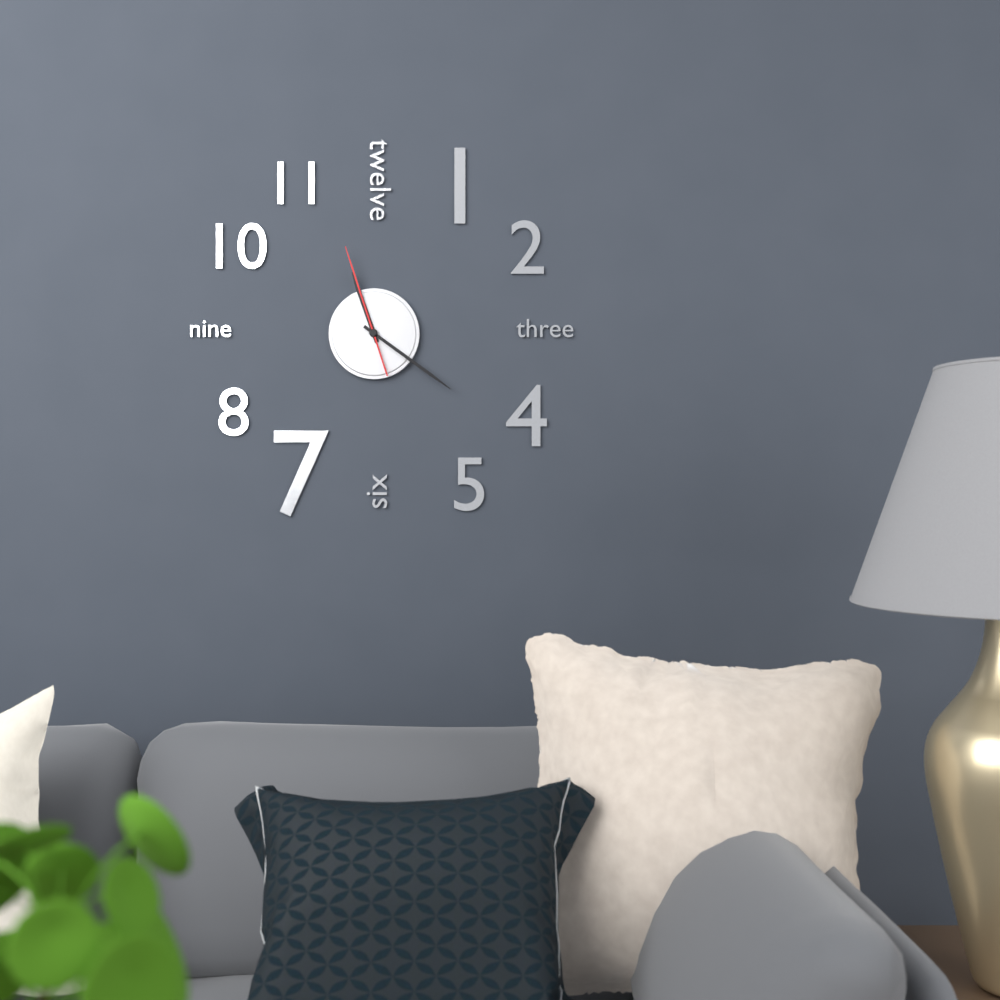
11h21m57s
